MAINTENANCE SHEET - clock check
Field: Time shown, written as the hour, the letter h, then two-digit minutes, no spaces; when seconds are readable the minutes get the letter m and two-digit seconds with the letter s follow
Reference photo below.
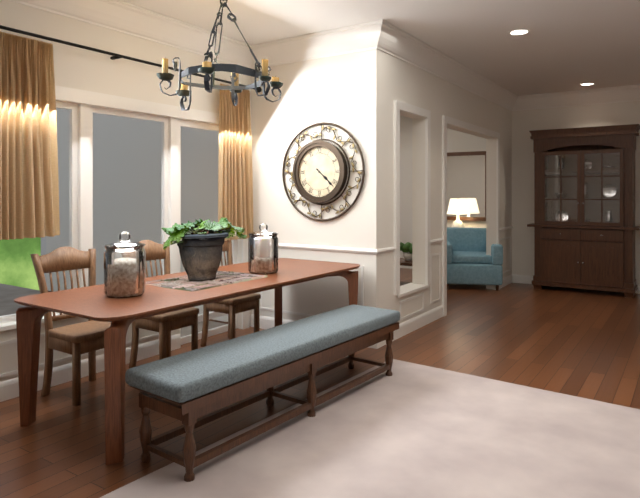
4h22
